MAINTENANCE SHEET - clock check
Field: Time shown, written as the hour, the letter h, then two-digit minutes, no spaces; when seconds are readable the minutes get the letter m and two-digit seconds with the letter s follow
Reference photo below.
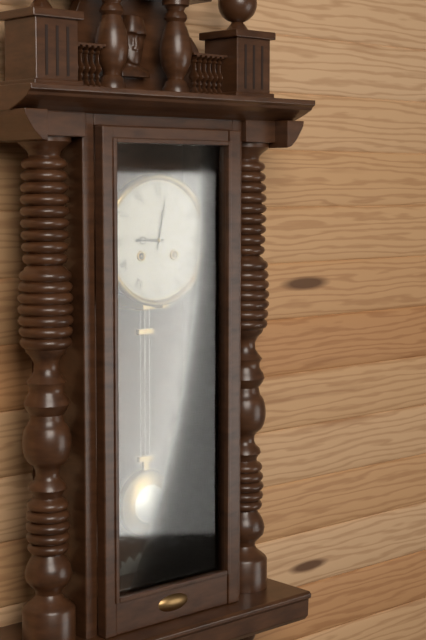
9h02
